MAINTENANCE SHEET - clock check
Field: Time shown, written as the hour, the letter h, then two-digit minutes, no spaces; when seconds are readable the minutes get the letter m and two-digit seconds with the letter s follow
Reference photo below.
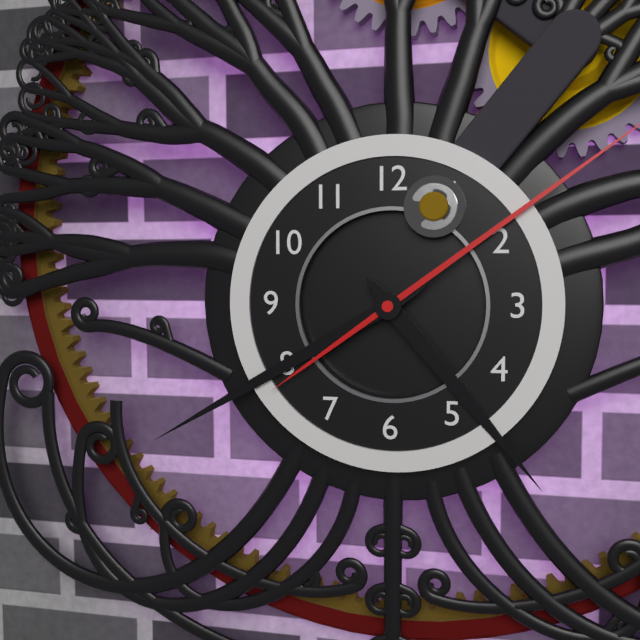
4h40
